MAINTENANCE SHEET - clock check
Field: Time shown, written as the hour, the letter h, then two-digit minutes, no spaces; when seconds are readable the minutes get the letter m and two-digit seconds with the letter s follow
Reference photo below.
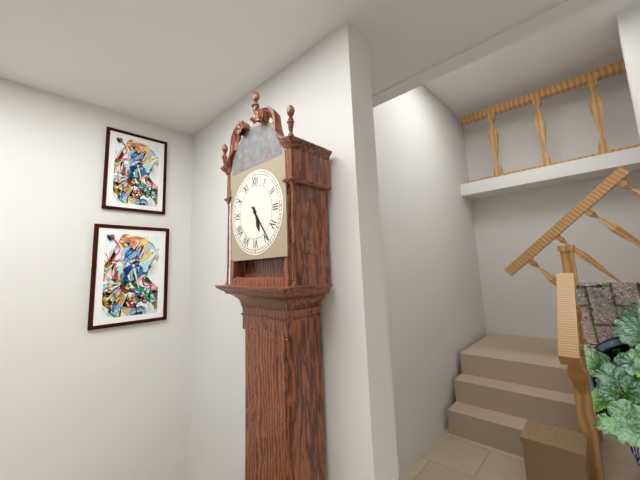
5h24
